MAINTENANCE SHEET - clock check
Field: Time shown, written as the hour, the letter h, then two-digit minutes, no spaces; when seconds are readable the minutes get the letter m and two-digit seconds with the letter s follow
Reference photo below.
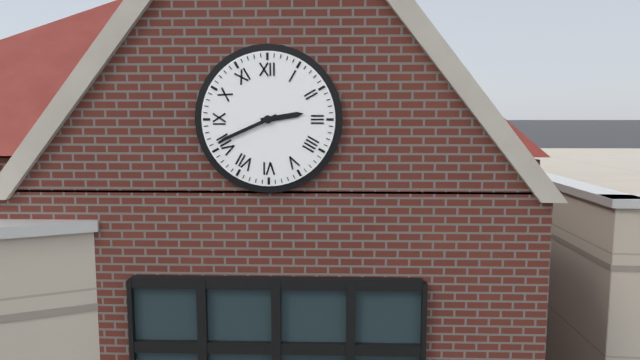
2h41
